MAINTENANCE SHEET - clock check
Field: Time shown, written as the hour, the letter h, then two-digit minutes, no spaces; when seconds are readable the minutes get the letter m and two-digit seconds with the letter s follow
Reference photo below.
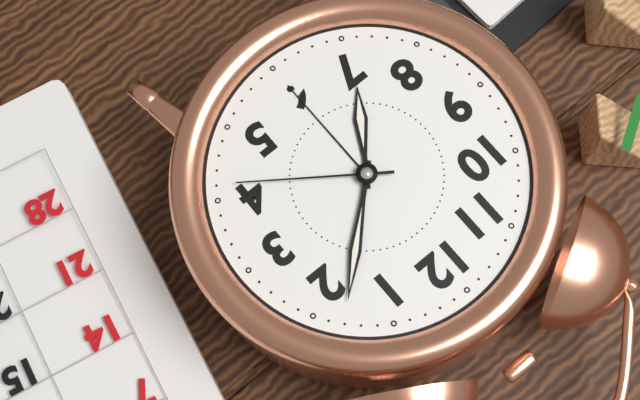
7h08m21s
